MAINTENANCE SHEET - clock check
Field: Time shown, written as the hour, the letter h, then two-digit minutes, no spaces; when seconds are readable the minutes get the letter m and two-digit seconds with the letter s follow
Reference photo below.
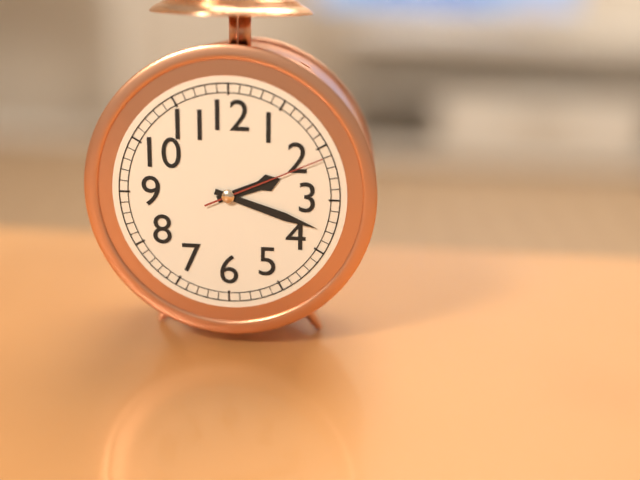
2h18m11s
